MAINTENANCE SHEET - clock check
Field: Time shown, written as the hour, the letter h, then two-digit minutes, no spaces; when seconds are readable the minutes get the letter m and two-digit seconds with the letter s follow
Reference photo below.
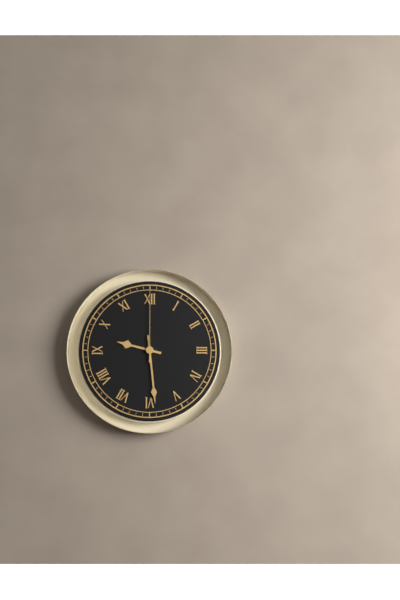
9h29m00s
